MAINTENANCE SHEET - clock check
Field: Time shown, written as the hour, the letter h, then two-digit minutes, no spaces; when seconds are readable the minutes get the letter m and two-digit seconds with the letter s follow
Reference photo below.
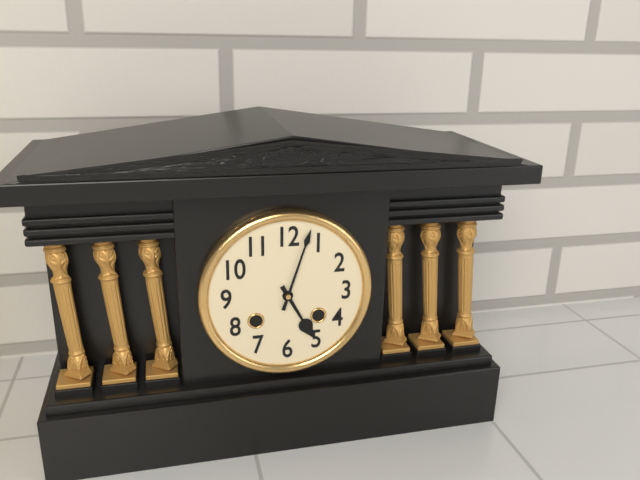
5h03
